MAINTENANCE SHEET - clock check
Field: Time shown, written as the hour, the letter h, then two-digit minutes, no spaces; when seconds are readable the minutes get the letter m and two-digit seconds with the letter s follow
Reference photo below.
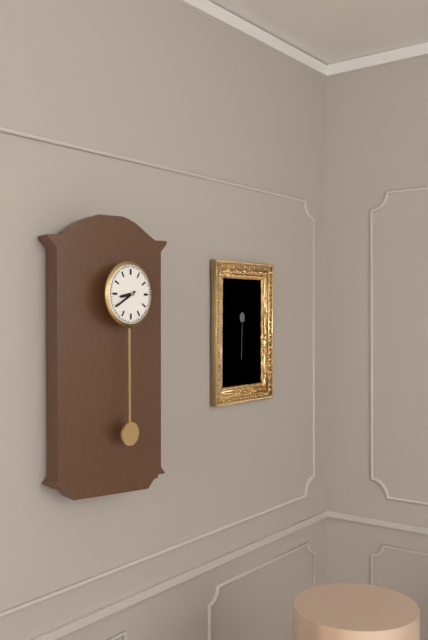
8h40
